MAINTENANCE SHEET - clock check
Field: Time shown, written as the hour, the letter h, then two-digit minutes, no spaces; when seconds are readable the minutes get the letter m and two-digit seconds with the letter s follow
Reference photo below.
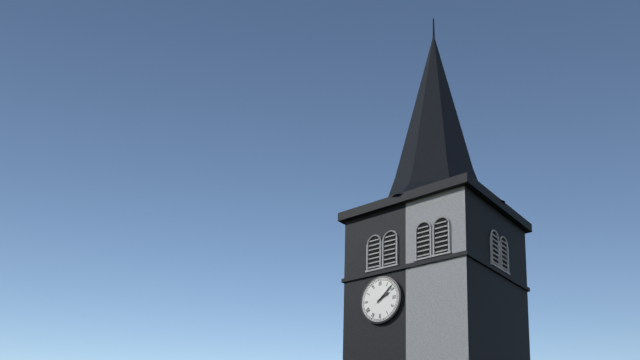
2h08
